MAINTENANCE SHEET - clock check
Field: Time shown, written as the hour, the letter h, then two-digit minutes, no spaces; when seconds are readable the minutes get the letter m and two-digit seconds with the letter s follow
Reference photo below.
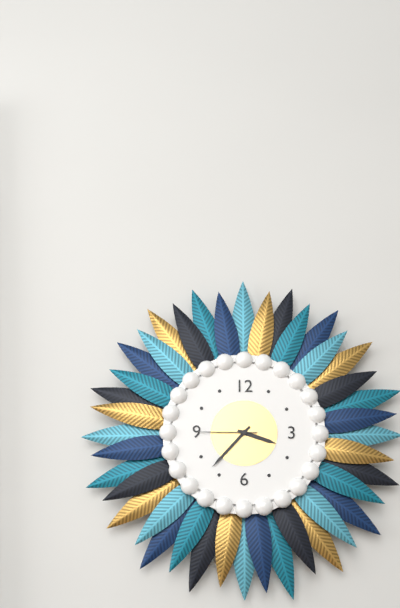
3h37m45s
